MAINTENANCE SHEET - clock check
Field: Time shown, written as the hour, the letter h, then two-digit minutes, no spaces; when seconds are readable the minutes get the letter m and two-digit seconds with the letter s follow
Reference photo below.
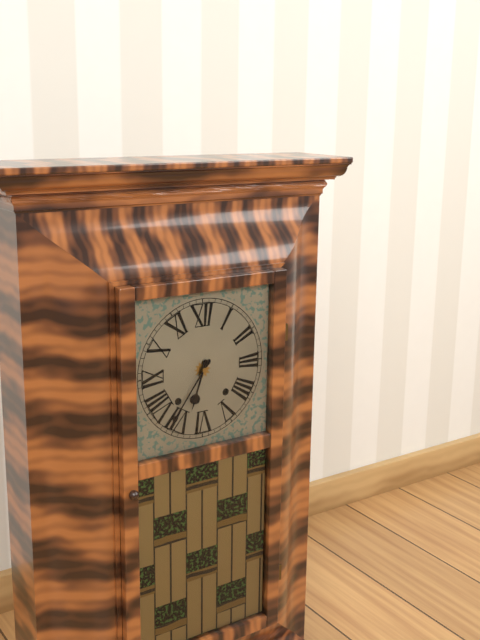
6h36
